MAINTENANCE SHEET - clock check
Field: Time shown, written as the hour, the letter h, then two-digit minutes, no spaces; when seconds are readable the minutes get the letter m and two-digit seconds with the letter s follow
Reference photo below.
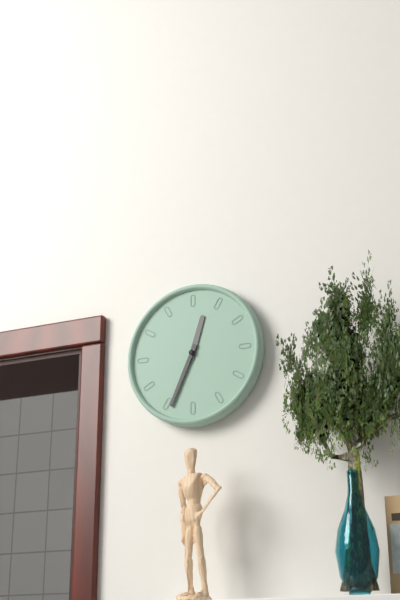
12h34
